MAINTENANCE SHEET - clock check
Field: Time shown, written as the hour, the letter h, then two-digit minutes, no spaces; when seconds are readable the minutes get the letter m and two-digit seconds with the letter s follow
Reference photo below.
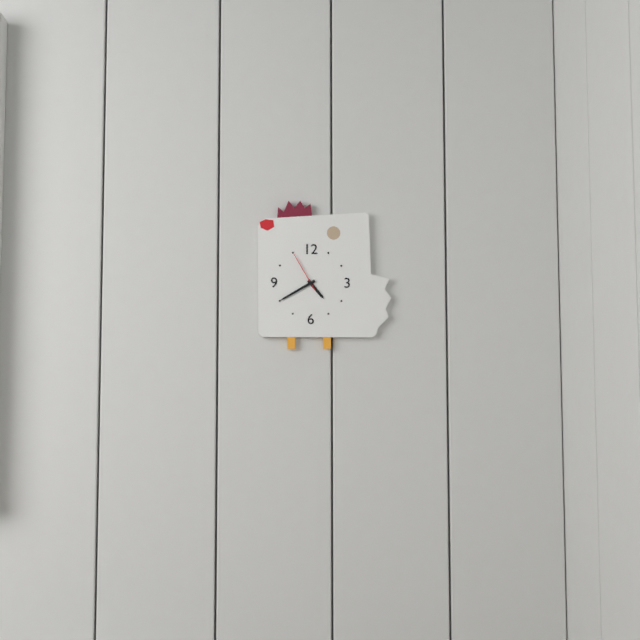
4h40
